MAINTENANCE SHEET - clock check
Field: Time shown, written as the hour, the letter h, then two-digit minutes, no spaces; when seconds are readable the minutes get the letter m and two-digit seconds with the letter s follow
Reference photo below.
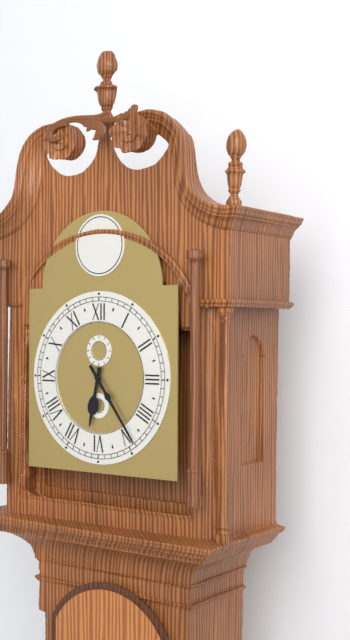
6h24
